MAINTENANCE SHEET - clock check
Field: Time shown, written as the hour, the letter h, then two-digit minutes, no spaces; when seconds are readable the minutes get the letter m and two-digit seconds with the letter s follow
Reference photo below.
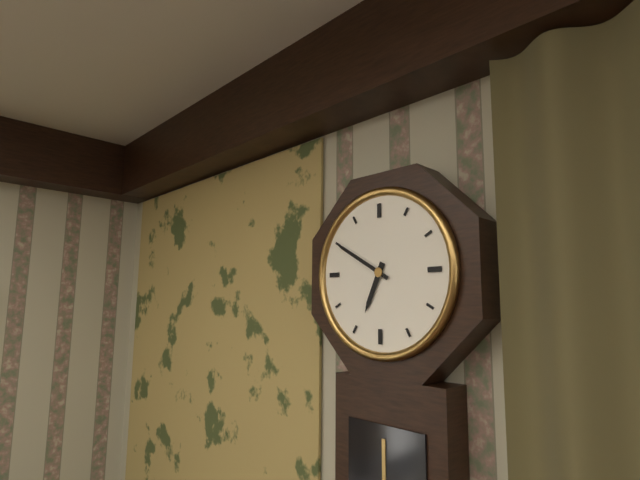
6h50
